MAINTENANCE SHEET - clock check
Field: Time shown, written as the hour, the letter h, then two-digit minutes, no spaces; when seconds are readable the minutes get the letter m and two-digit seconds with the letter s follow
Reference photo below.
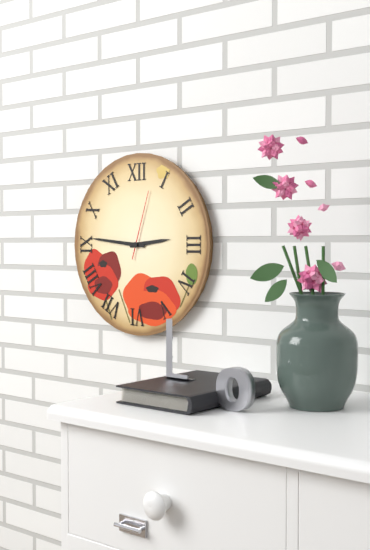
2h46m03s
